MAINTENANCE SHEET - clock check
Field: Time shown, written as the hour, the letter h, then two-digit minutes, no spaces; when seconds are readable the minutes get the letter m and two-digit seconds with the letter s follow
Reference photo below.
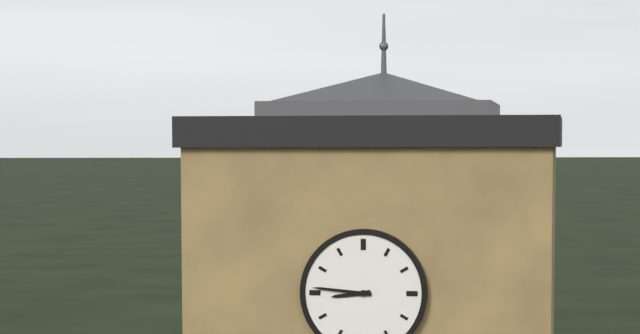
8h46
